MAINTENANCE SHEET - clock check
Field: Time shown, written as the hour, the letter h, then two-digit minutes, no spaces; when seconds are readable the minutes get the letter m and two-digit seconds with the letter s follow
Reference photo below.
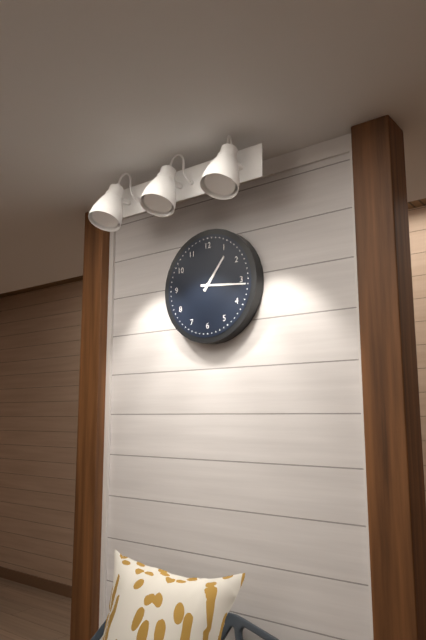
1h16
